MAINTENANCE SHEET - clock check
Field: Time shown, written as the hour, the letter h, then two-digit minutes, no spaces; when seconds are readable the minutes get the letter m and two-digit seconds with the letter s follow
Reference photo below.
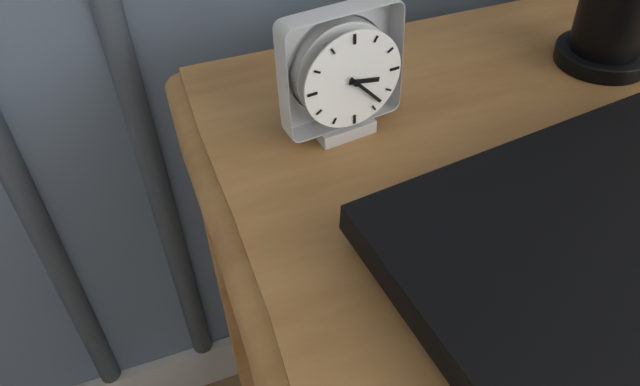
3h23
